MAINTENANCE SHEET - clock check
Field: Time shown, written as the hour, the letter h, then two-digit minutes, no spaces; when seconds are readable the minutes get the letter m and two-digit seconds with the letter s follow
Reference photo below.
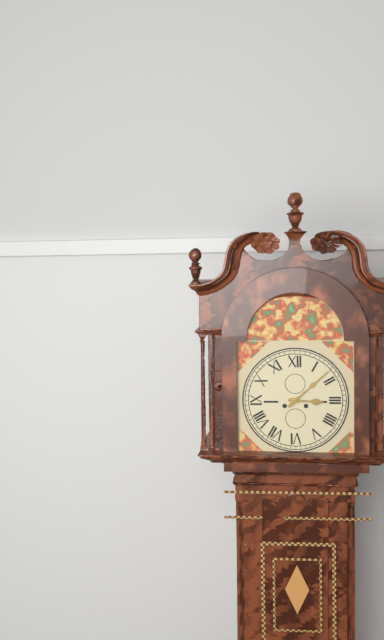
3h08
